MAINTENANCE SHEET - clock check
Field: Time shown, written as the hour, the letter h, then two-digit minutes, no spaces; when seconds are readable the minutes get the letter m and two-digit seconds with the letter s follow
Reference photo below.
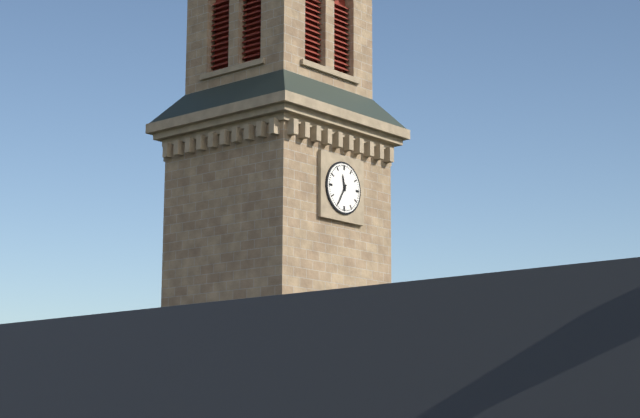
11h35
